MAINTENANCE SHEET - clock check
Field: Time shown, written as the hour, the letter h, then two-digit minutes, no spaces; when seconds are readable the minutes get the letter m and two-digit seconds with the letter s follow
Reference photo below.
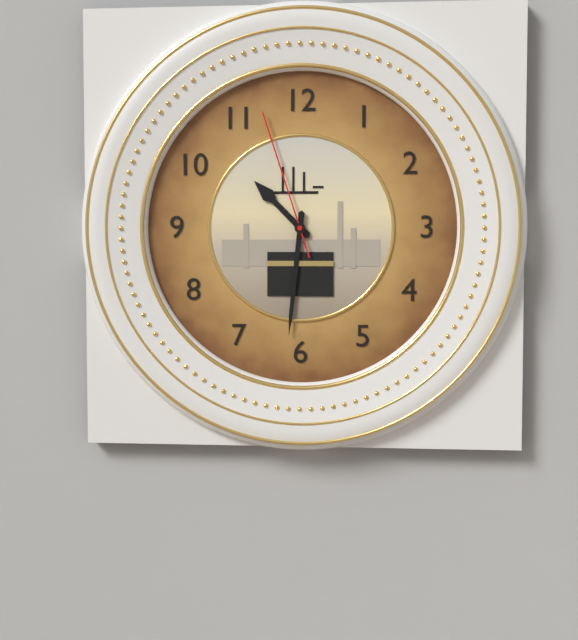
10h31m57s
